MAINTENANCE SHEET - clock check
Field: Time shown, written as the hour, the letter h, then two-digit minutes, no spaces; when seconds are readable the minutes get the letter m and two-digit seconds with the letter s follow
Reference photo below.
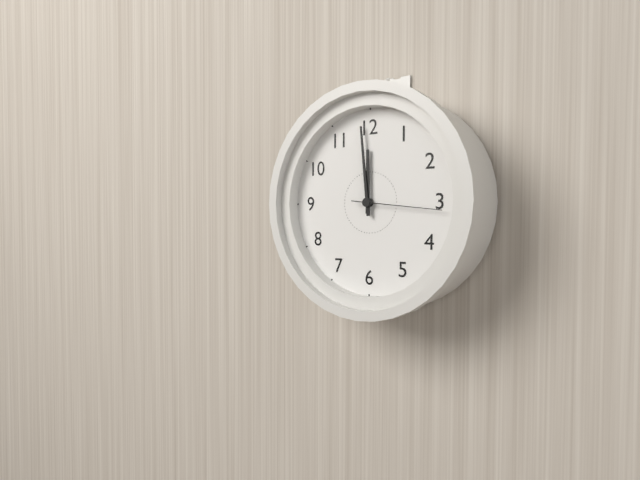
11h59m16s
